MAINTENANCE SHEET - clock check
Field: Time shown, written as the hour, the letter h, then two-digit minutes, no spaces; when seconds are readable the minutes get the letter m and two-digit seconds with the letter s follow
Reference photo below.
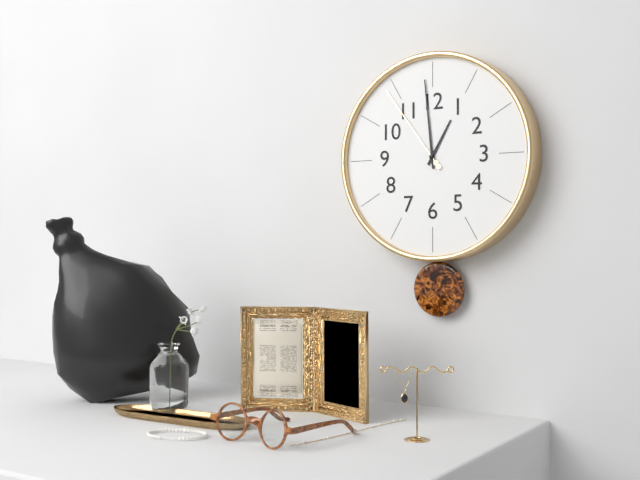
12h59m54s
